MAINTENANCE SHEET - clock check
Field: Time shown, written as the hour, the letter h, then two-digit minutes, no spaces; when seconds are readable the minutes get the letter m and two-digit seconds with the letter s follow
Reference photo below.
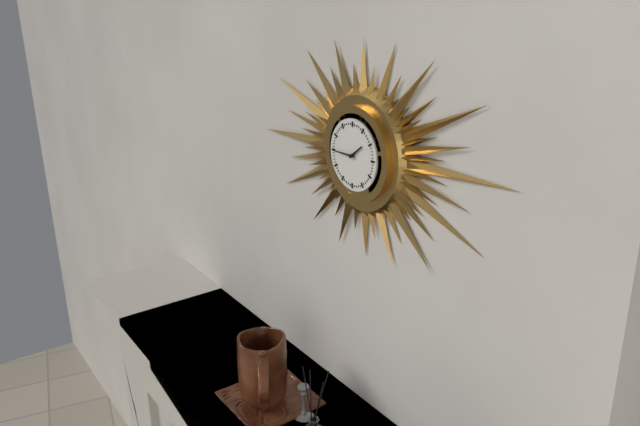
1h45
